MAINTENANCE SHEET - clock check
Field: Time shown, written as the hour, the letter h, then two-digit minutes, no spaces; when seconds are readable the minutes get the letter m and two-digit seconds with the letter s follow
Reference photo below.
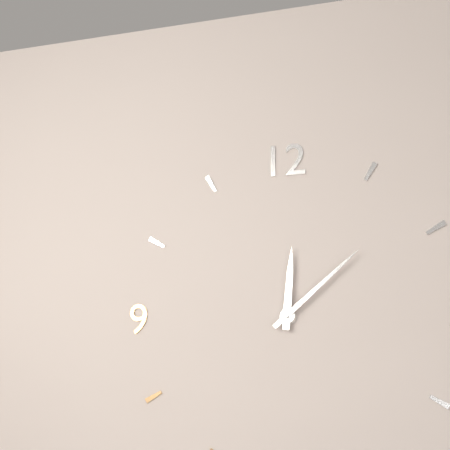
12h08
